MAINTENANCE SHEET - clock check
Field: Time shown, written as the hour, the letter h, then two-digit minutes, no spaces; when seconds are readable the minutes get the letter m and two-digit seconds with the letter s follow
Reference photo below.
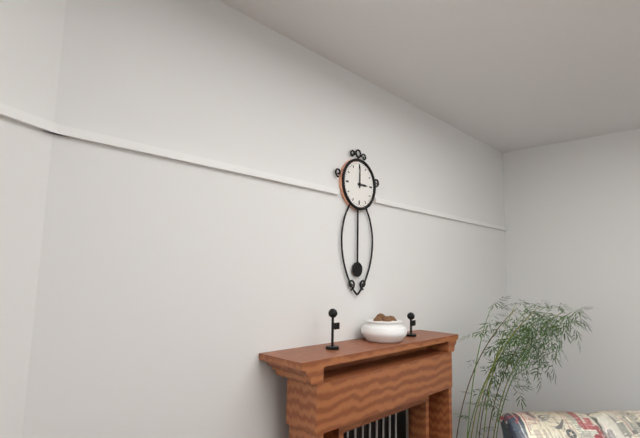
3h00
